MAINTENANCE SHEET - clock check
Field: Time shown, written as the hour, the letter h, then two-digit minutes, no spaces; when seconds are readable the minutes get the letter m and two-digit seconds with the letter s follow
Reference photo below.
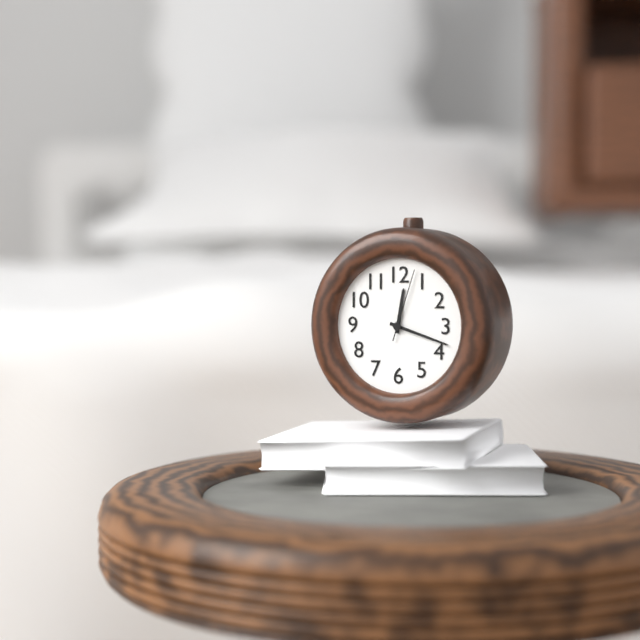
12h18m03s
